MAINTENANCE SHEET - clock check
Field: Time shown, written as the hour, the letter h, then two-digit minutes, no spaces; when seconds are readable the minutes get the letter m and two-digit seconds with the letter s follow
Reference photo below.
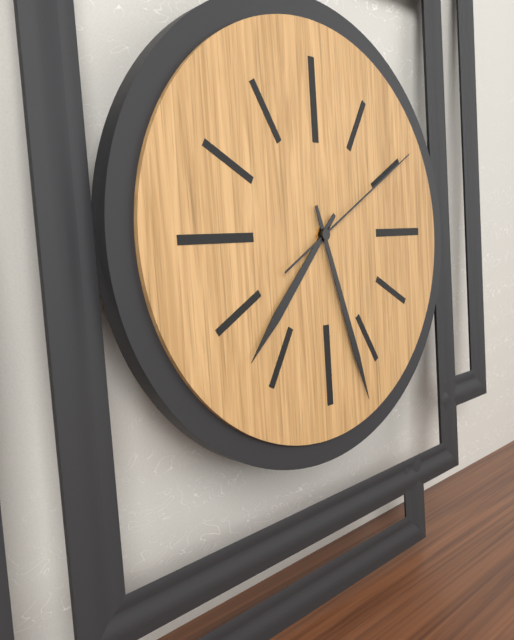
7h27m10s
